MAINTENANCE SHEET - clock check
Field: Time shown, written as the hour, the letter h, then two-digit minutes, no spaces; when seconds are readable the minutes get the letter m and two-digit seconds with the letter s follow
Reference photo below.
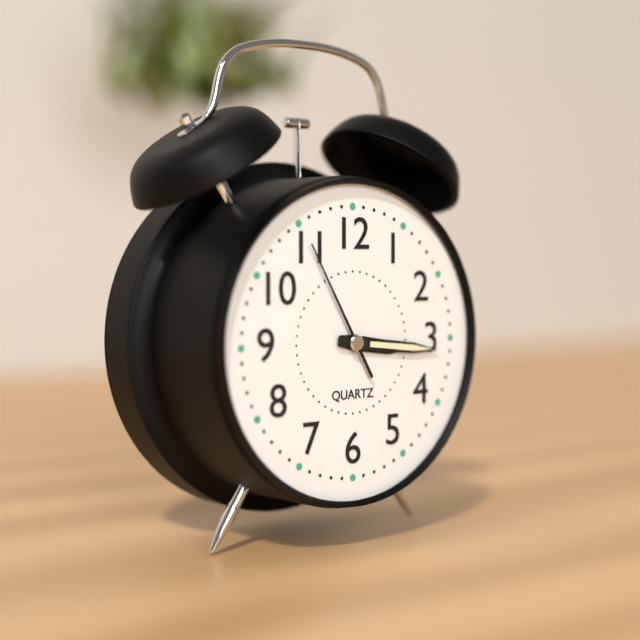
3h16m55s
